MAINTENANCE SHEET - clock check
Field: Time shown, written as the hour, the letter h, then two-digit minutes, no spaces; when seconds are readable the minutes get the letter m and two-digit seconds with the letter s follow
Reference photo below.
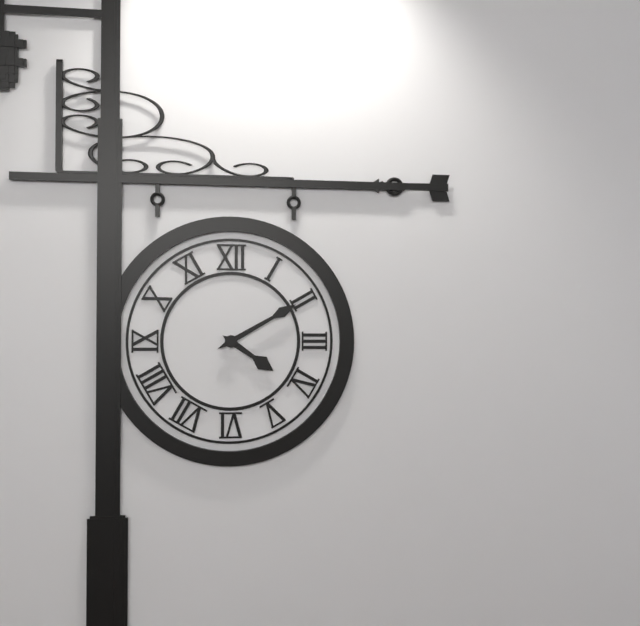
4h10
